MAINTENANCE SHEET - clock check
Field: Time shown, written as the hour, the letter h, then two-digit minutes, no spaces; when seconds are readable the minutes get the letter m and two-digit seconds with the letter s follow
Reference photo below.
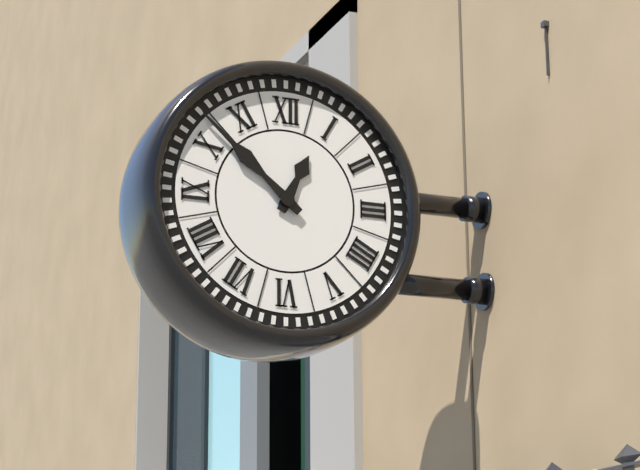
12h52
